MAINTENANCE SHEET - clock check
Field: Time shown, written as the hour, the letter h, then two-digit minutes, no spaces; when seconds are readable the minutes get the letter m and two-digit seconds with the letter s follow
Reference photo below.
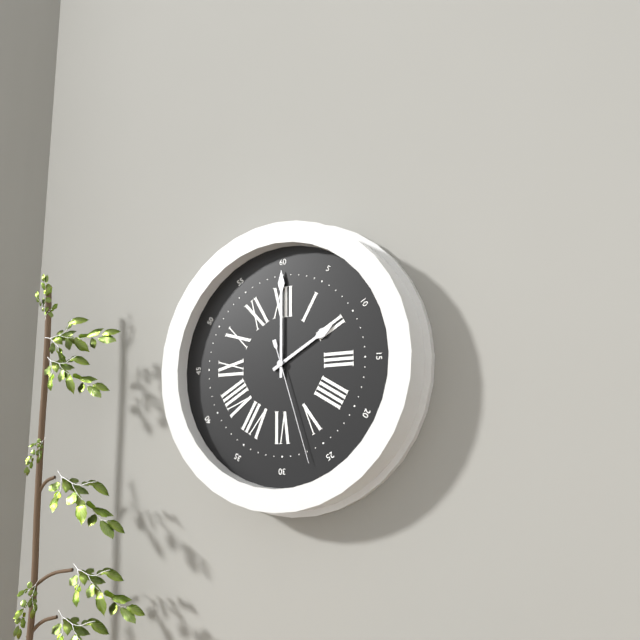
2h00m27s
